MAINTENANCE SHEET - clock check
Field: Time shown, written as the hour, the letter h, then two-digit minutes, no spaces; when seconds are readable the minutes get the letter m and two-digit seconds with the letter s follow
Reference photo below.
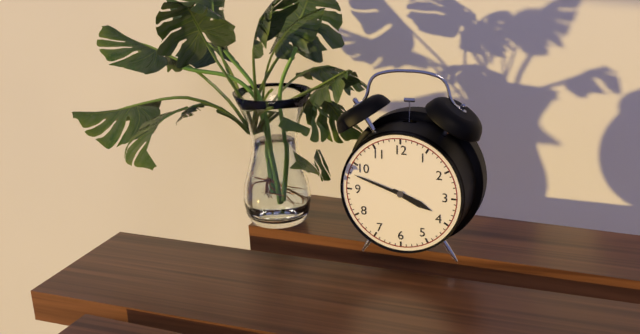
3h48
